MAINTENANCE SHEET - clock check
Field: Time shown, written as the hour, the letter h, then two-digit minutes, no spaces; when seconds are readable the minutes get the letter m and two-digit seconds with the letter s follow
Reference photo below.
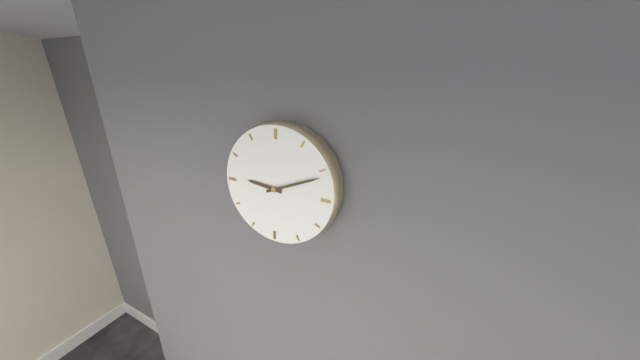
9h11
